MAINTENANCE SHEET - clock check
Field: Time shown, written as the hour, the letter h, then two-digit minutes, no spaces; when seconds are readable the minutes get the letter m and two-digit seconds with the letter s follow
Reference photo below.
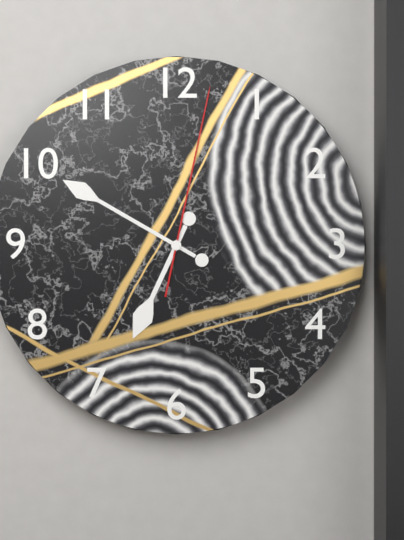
6h50m02s
